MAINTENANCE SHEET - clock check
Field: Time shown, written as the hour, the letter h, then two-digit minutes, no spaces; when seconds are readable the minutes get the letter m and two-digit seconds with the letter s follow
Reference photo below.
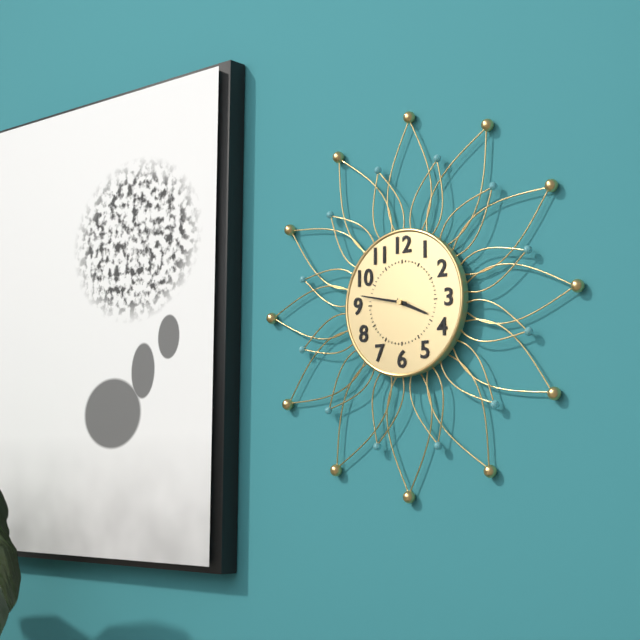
3h47
